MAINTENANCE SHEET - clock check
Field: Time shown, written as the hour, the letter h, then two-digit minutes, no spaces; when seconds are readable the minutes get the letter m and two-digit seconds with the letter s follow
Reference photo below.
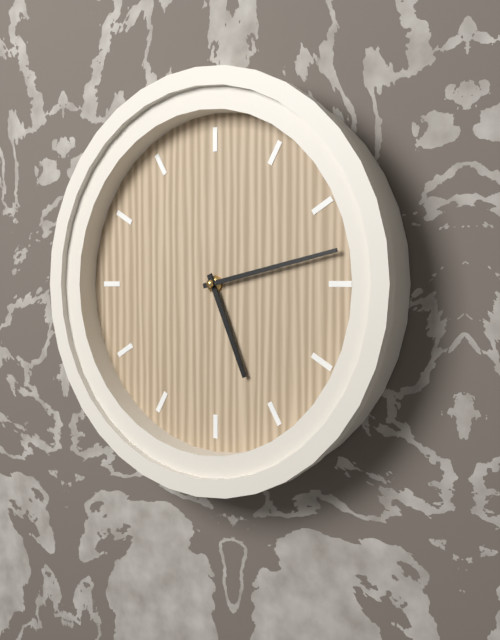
5h13
